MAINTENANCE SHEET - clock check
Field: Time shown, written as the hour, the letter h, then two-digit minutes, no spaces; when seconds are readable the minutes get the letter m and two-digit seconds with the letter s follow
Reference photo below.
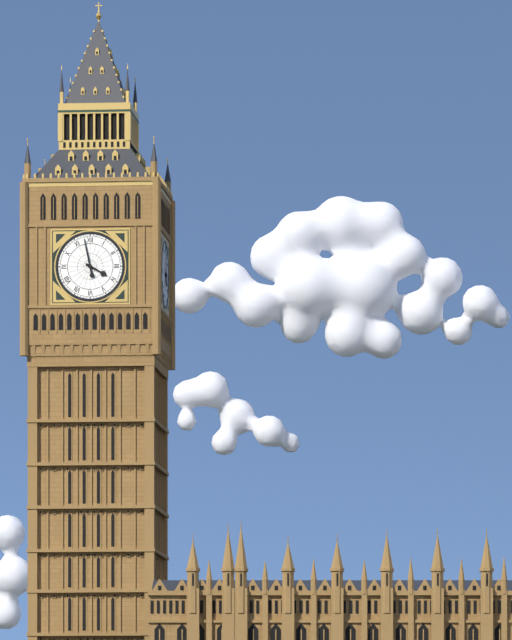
3h58
